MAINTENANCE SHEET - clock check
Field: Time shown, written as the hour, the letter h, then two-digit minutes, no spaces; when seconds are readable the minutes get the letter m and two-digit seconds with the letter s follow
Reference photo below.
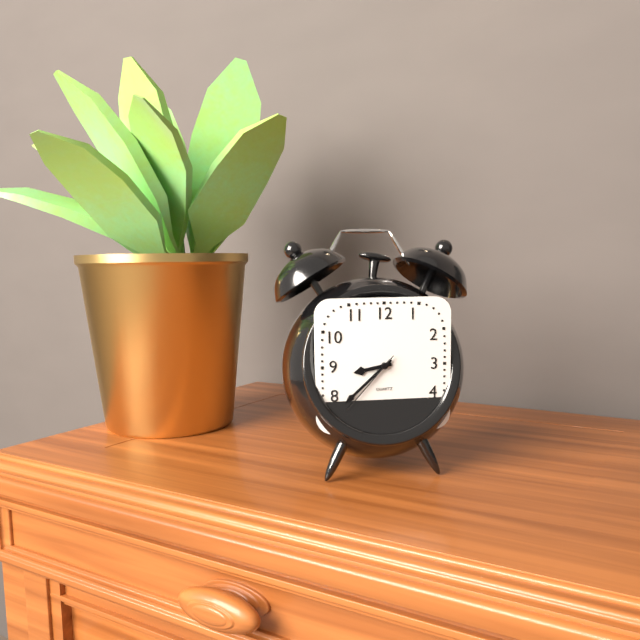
8h38m37s
